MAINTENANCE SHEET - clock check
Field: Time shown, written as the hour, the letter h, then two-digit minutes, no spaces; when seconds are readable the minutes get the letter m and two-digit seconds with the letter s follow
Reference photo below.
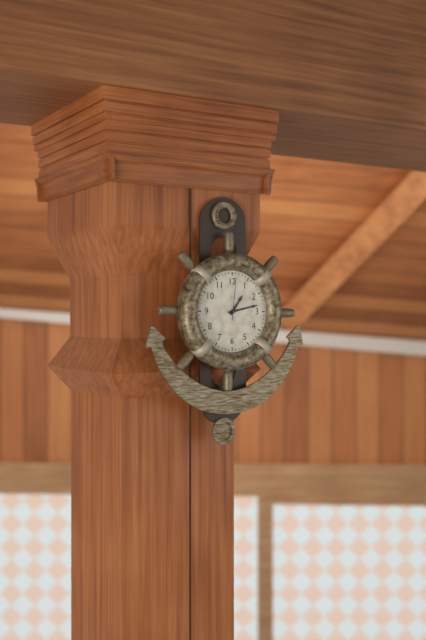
1h13
